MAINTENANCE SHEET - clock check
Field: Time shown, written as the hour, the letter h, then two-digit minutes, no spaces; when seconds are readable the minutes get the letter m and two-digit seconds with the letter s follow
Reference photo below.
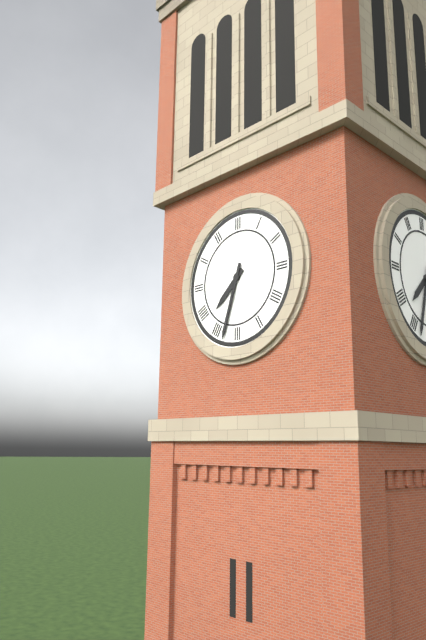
7h33
